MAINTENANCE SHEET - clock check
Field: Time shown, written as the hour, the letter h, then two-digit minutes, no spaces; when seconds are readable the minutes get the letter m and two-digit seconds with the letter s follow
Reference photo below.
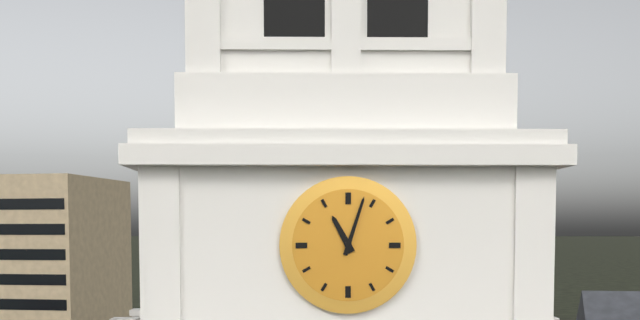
11h03
